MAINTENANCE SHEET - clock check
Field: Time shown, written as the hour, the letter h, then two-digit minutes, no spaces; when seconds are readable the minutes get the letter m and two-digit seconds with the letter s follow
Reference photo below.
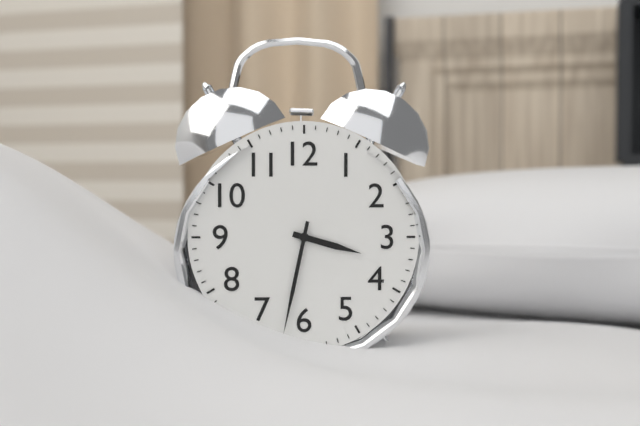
3h32
